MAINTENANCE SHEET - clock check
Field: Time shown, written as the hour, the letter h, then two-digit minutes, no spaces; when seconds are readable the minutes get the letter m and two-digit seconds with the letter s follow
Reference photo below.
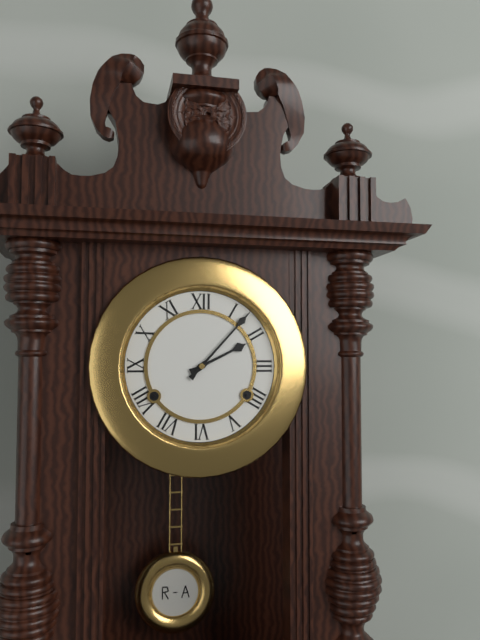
2h07
